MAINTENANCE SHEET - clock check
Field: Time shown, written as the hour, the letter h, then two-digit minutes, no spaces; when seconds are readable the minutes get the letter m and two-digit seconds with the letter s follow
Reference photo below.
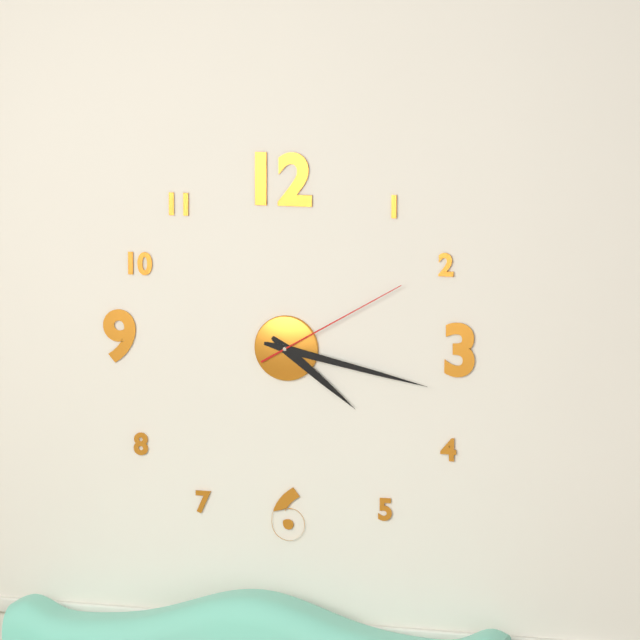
4h17m10s
